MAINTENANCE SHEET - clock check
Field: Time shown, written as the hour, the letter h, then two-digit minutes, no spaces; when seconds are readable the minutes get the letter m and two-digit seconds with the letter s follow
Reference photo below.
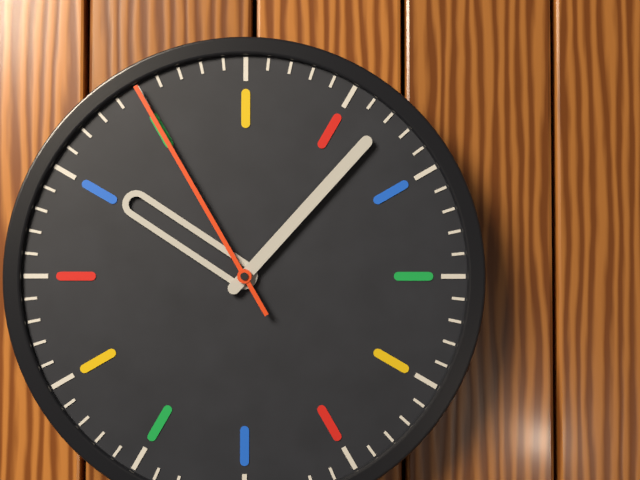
10h07m55s
